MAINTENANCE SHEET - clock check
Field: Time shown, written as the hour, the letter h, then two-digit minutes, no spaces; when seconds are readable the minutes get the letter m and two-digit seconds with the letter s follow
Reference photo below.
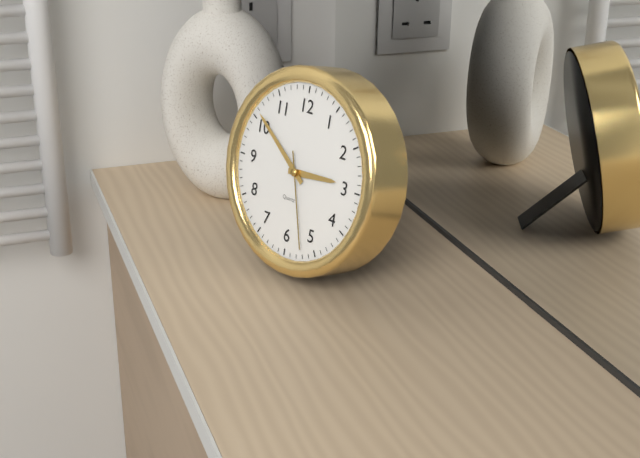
2h51m27s
